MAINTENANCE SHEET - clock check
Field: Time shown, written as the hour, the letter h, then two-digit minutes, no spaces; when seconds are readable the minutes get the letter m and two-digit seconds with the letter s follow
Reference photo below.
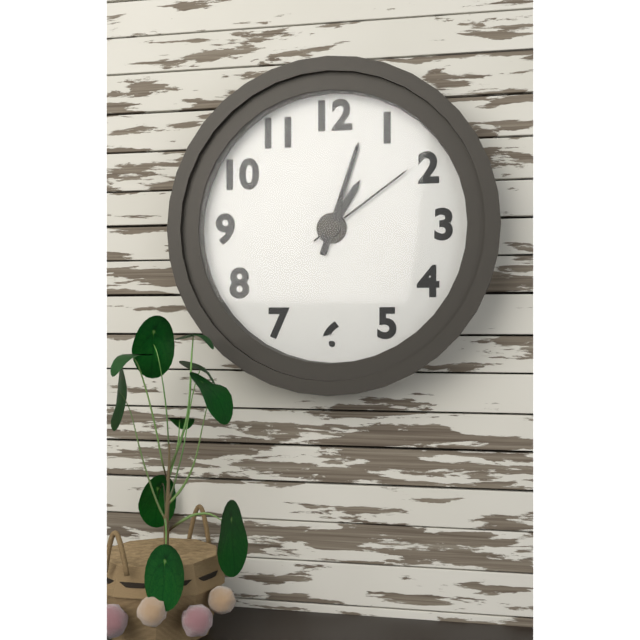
1h03m09s
